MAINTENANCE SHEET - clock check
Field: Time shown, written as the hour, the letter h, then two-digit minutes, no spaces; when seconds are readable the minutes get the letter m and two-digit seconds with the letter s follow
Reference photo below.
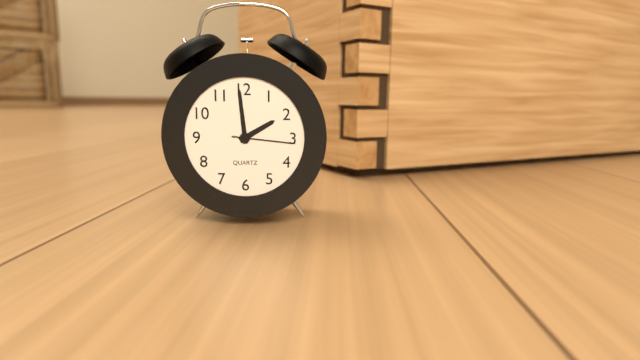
1h59m16s
